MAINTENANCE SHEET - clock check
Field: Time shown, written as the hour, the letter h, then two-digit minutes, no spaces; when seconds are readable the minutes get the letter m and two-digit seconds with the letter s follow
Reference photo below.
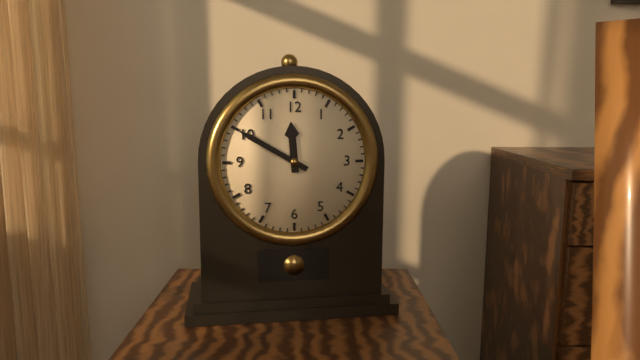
11h50
